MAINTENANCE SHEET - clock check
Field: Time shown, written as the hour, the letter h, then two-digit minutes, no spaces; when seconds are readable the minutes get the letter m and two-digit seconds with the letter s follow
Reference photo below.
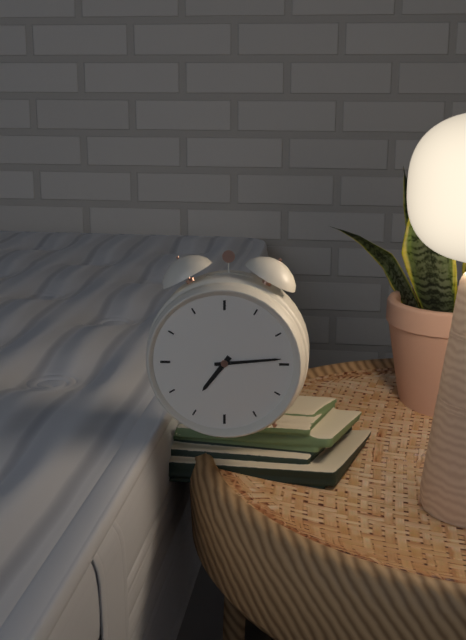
7h14
